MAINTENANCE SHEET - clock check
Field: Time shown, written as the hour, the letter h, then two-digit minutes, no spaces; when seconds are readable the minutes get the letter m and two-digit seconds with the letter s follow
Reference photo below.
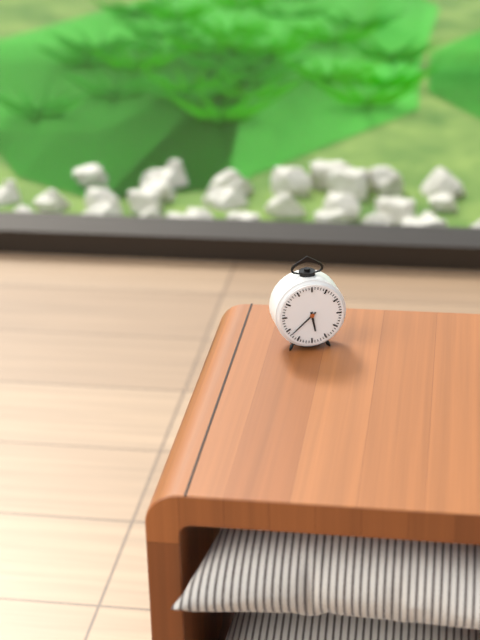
5h38
